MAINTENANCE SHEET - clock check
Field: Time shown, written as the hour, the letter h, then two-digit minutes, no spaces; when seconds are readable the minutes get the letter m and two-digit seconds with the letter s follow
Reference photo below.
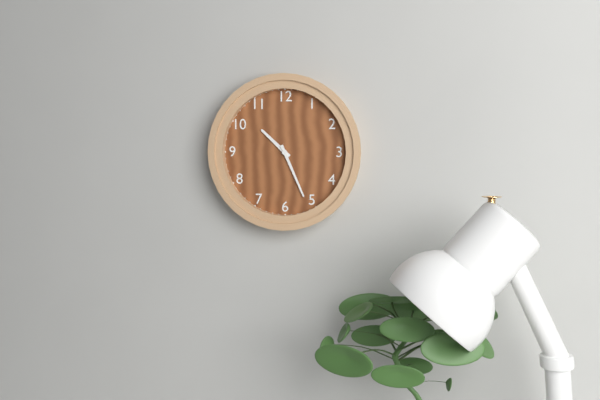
10h26
